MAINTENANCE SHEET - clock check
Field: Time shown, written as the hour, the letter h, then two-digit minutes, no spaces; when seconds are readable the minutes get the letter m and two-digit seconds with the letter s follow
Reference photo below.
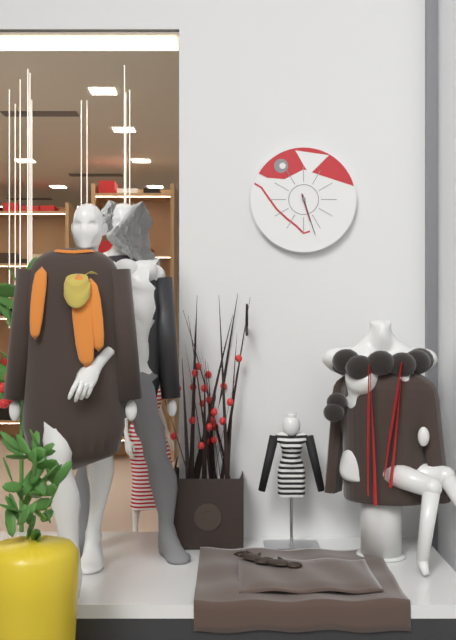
5h27
